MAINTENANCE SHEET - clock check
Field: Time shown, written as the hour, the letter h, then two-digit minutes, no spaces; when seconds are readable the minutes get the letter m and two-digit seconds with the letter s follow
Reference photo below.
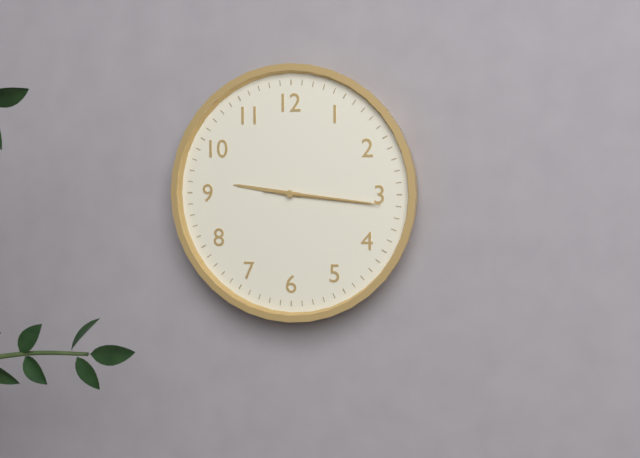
9h16m16s
